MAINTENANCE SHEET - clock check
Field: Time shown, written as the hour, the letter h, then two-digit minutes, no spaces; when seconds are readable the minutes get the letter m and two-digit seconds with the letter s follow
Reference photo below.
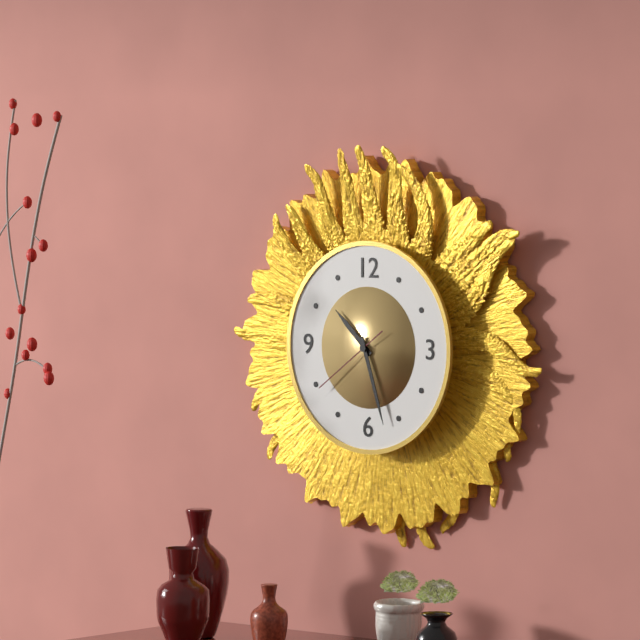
10h27m39s
